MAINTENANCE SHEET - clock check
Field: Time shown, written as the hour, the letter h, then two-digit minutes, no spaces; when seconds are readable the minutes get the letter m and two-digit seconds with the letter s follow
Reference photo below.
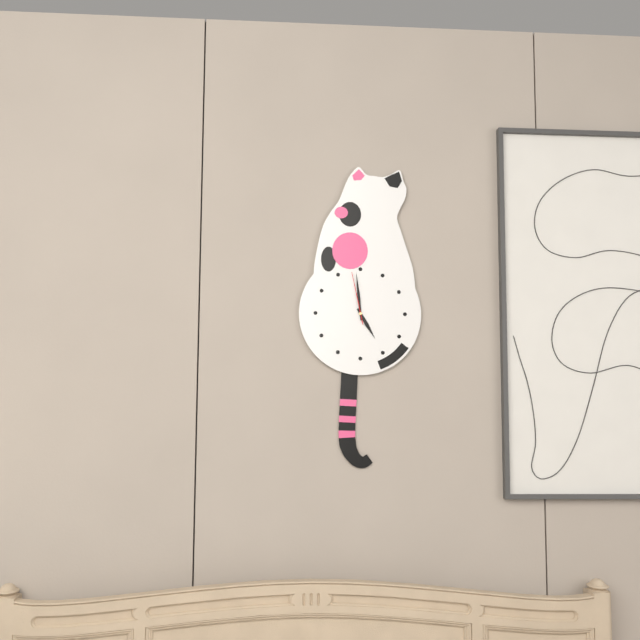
4h59m58s
